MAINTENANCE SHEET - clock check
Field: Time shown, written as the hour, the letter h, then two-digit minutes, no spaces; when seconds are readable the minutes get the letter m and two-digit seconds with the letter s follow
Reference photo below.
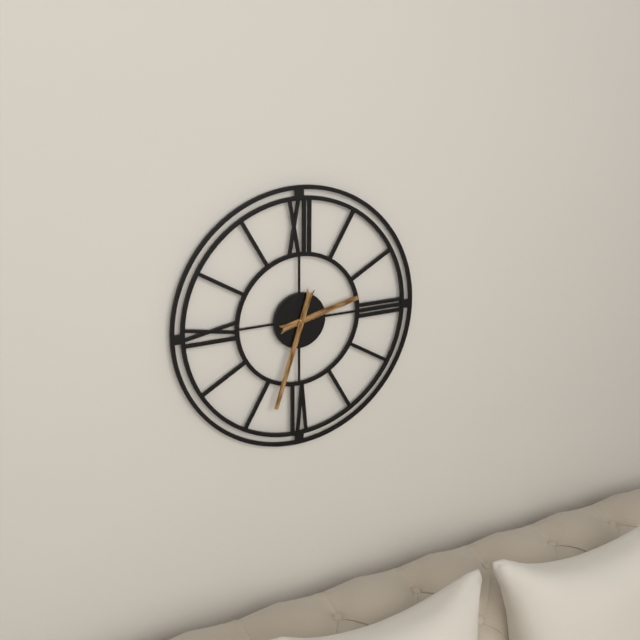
2h33
